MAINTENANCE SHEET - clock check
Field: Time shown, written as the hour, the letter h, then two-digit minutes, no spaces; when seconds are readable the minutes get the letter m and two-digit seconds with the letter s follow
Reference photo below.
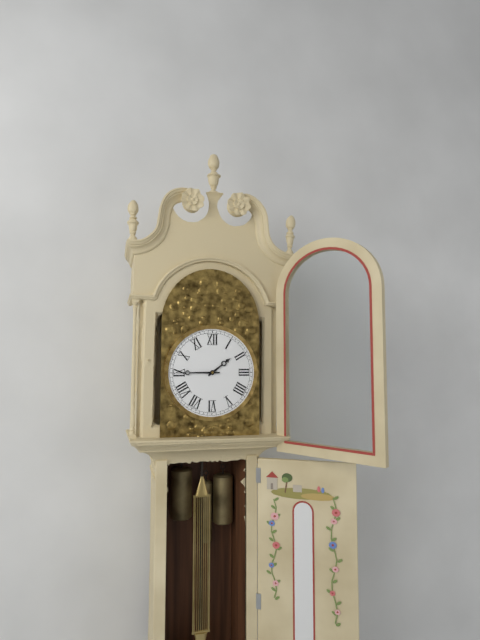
1h45
